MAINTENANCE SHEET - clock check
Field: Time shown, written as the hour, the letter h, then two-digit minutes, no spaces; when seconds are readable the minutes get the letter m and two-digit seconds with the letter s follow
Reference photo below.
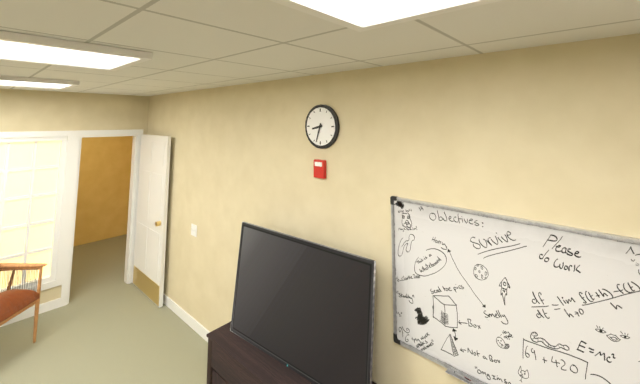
8h33
